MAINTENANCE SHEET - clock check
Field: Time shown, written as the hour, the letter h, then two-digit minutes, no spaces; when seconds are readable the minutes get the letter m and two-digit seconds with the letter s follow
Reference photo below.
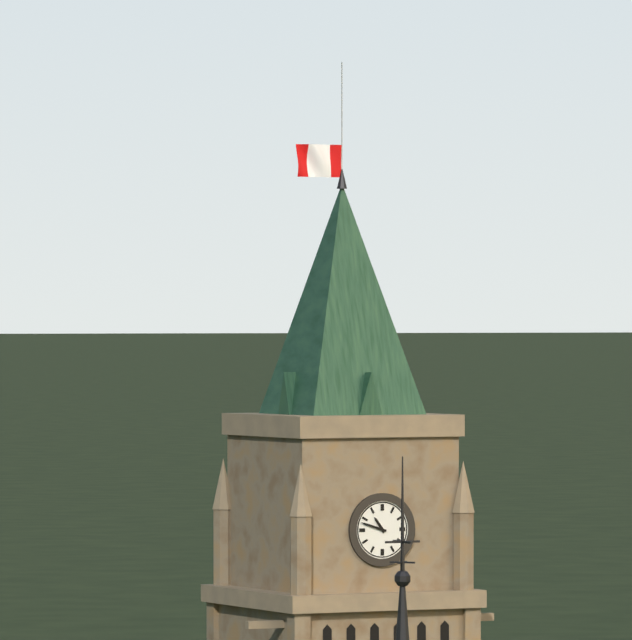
10h48
